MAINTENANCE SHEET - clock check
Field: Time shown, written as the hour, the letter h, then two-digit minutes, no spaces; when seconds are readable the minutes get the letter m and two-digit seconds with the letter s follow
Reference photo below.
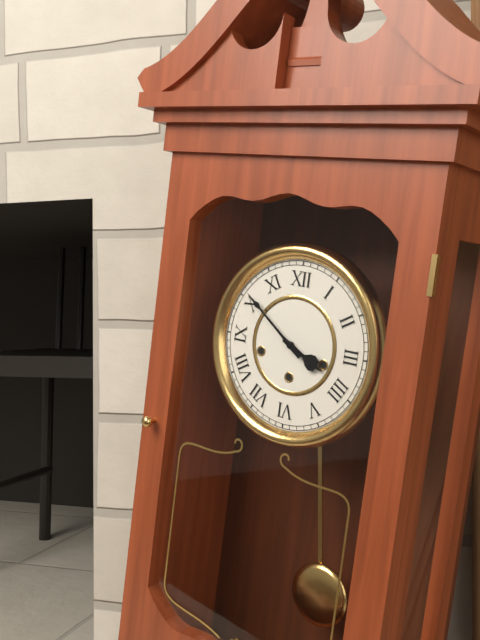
3h51
